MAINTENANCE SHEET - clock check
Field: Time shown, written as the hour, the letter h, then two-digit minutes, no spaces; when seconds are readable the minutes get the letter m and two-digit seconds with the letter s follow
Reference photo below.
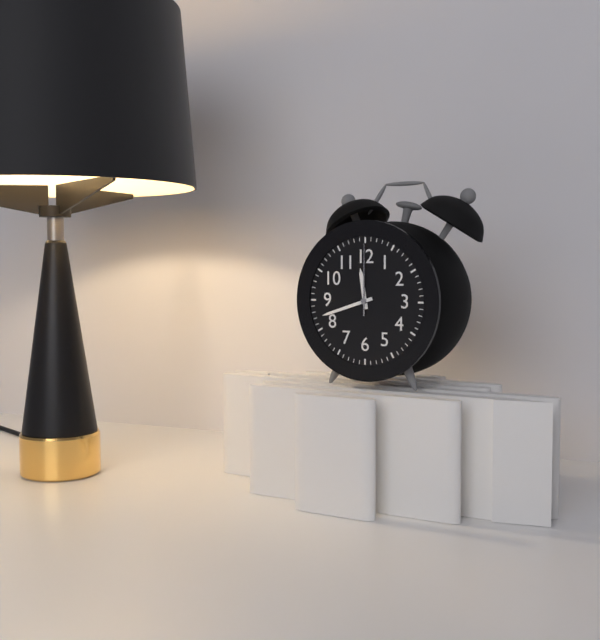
11h42m00s
